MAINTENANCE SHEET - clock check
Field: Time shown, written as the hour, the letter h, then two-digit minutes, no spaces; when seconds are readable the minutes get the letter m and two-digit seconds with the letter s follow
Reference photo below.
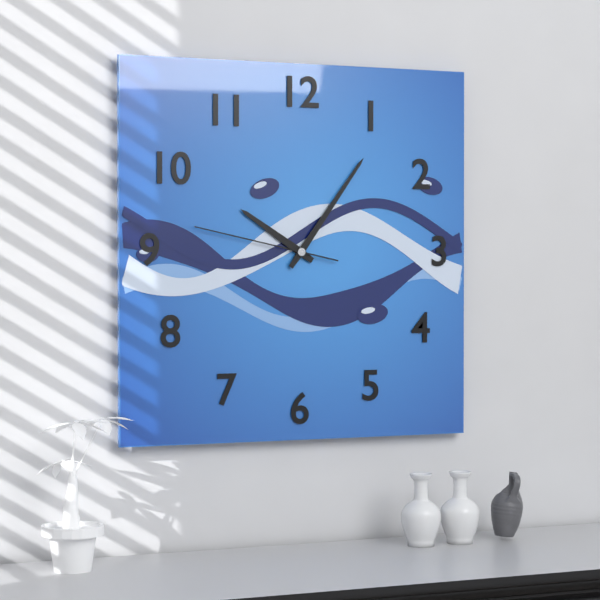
10h06m47s
